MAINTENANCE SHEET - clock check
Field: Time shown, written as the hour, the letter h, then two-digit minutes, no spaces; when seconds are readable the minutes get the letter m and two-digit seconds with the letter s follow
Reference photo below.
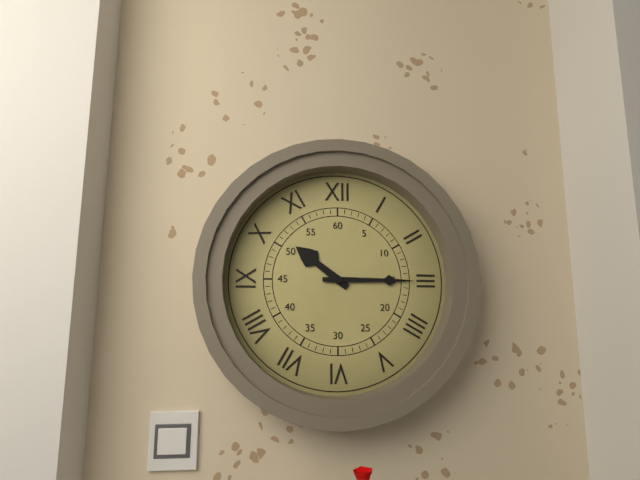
10h15
